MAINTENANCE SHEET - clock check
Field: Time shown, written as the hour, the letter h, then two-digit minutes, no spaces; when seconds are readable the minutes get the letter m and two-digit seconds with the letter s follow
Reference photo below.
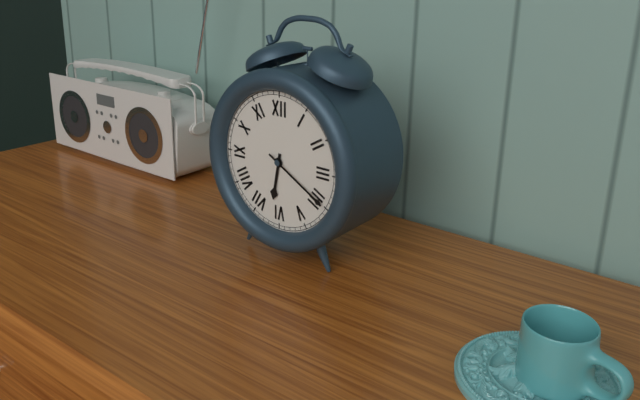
6h20
